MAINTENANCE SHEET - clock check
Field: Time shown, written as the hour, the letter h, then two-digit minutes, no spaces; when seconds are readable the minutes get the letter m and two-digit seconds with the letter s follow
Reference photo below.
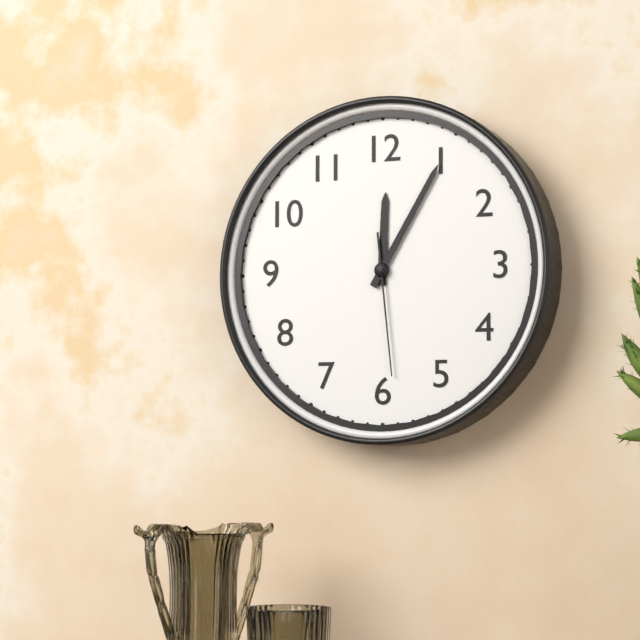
12h05m29s
